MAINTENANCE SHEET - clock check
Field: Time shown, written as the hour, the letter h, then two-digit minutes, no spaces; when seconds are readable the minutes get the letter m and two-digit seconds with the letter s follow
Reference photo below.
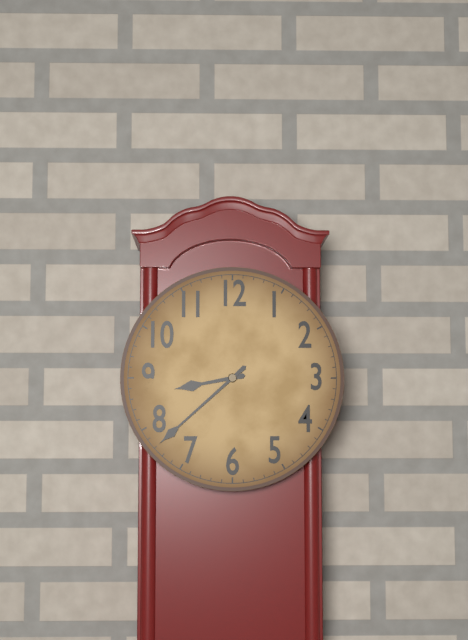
8h38
